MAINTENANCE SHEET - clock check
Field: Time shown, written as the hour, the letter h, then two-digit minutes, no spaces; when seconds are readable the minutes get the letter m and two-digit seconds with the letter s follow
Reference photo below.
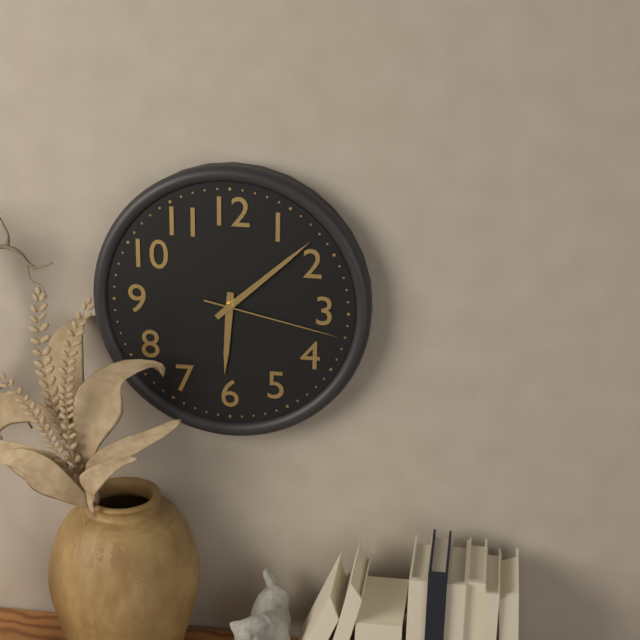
6h08m17s
